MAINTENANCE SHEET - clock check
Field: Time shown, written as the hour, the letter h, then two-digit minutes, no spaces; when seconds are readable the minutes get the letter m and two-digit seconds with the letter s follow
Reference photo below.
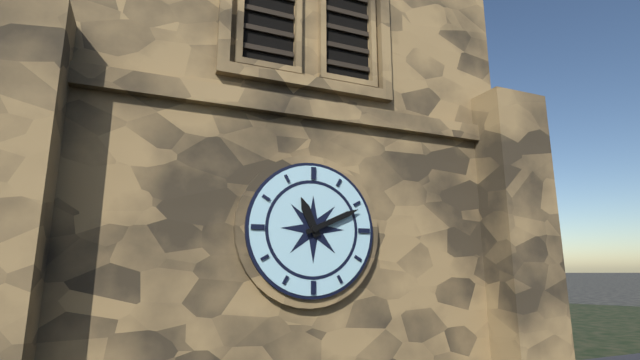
11h11
